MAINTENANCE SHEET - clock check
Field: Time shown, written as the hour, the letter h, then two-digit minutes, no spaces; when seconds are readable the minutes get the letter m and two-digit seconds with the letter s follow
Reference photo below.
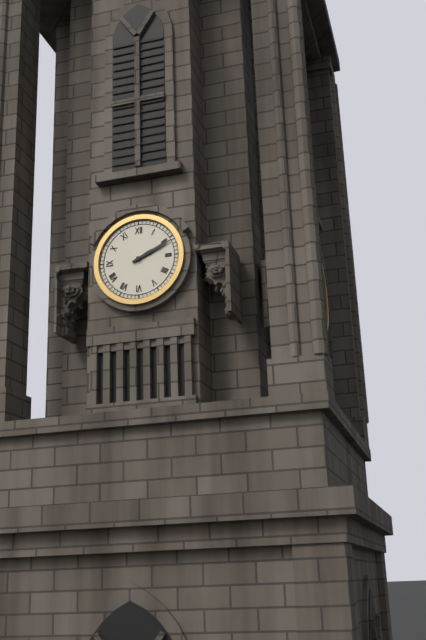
2h11
